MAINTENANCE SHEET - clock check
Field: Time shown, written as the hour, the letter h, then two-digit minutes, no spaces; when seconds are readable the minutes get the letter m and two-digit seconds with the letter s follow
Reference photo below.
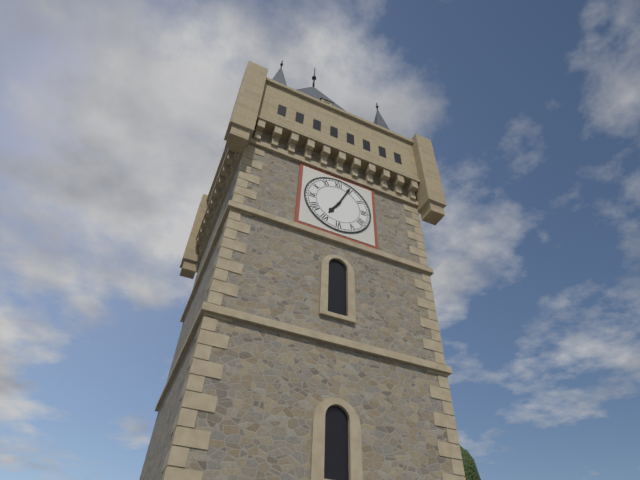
7h04
